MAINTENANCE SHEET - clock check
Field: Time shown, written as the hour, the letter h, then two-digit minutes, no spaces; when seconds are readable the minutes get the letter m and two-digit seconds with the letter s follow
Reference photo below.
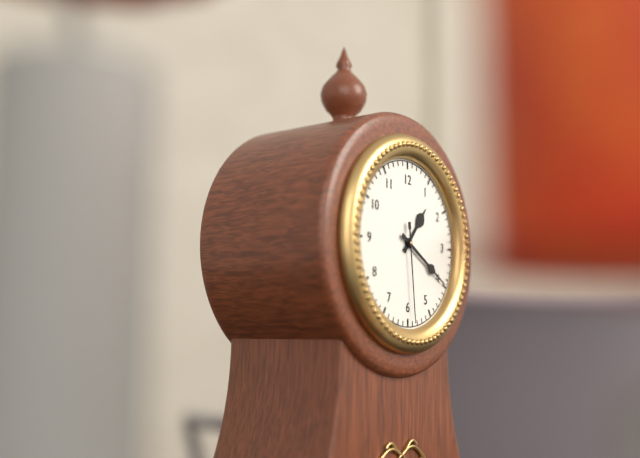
1h20m29s
